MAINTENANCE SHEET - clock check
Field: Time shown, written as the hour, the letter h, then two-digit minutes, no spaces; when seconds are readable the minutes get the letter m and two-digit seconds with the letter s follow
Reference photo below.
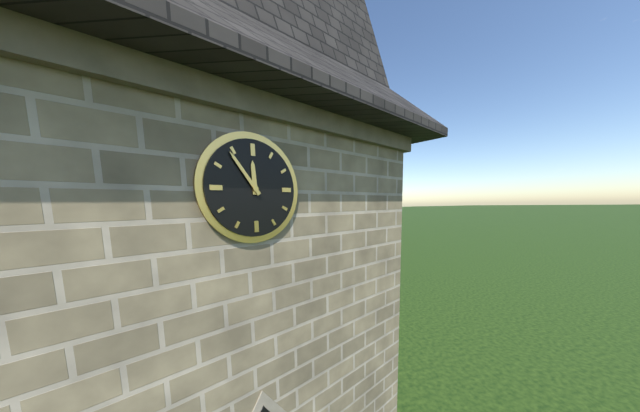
11h54
